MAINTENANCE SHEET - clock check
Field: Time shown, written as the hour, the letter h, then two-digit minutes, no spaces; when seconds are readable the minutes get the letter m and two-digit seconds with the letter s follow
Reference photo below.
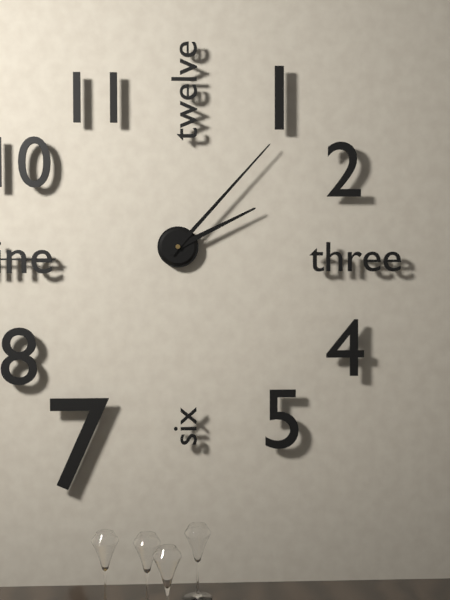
2h07
